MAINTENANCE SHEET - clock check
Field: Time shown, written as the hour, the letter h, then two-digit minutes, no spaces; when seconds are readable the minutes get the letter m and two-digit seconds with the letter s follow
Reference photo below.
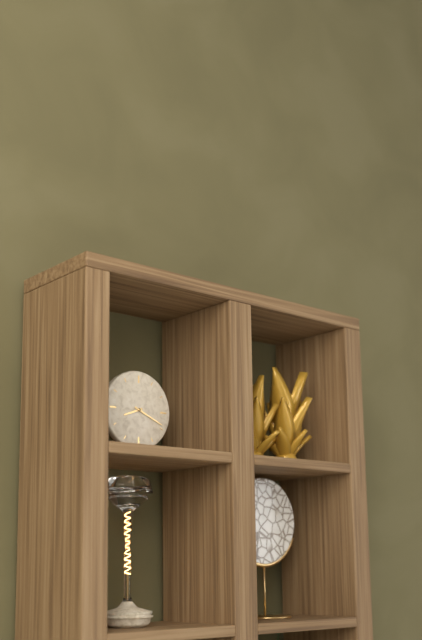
8h19
